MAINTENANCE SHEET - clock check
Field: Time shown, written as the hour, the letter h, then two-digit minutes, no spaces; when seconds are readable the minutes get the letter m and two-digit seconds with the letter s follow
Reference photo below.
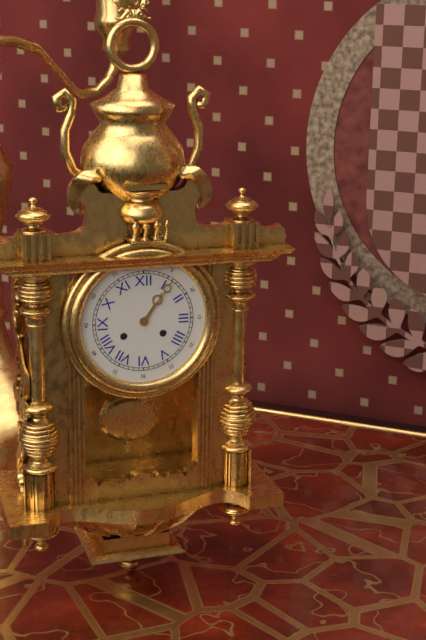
1h06
